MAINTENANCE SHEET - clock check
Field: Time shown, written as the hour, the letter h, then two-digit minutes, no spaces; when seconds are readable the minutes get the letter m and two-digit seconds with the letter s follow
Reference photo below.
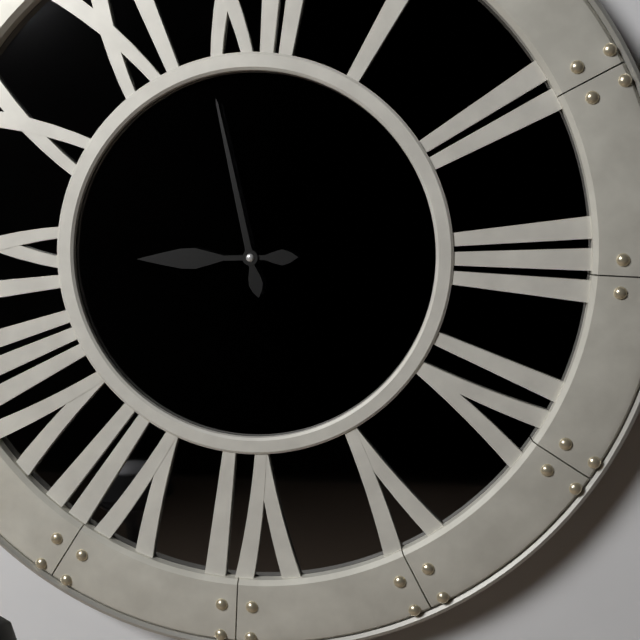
8h58
